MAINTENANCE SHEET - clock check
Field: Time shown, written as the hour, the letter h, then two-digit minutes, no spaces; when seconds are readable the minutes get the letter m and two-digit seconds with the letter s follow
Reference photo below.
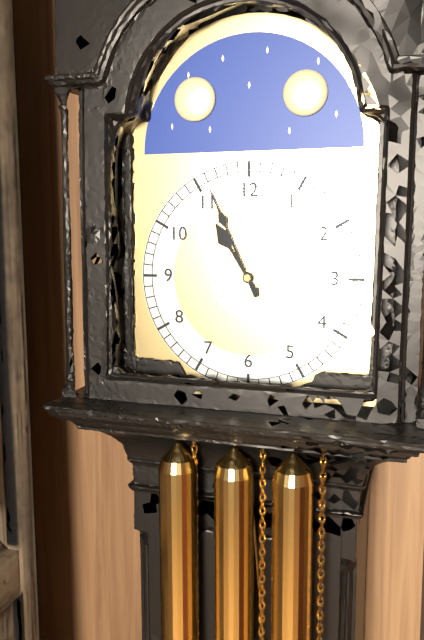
10h56
